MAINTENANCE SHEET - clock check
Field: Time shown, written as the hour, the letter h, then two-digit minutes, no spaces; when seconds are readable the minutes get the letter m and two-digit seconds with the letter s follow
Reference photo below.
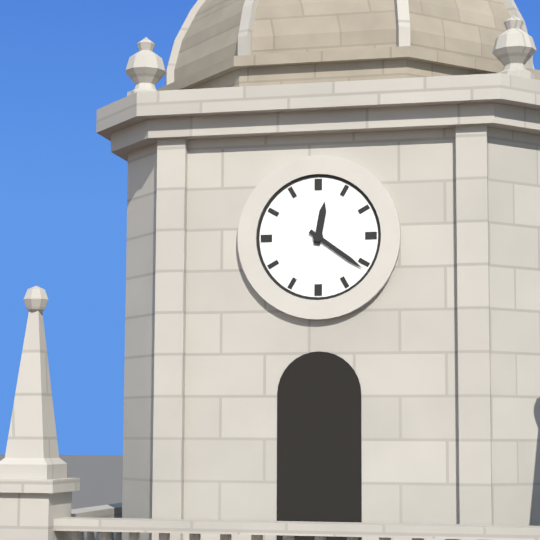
12h21
